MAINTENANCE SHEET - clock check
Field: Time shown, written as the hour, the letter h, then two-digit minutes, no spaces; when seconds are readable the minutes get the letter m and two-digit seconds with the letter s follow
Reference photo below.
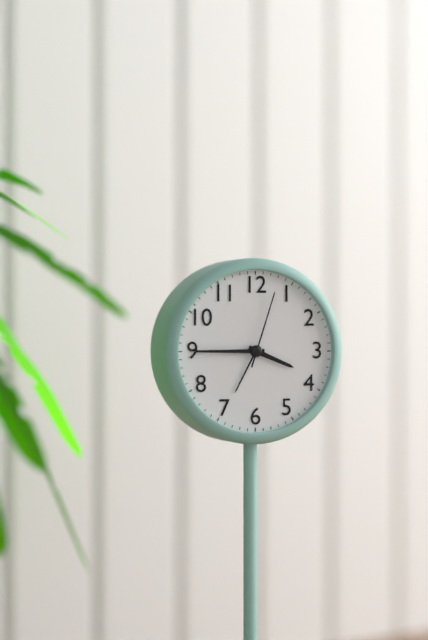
3h45m03s
